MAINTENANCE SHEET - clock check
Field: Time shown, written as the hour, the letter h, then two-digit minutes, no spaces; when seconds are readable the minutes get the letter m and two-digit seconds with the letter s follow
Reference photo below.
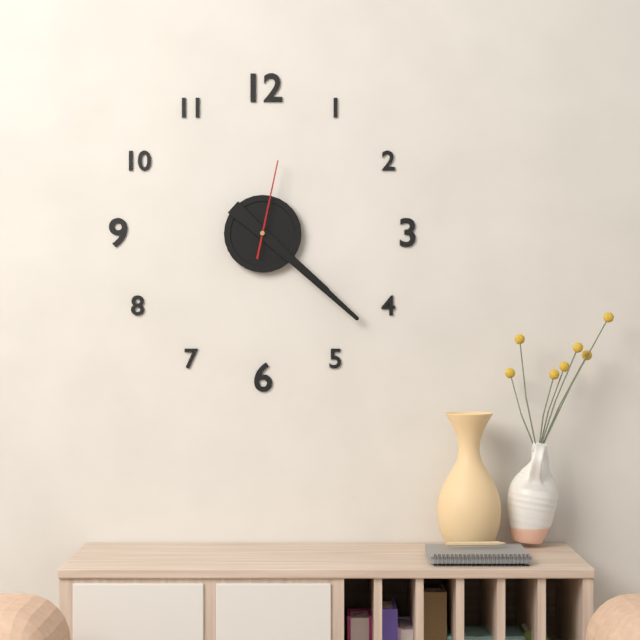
4h22m02s
